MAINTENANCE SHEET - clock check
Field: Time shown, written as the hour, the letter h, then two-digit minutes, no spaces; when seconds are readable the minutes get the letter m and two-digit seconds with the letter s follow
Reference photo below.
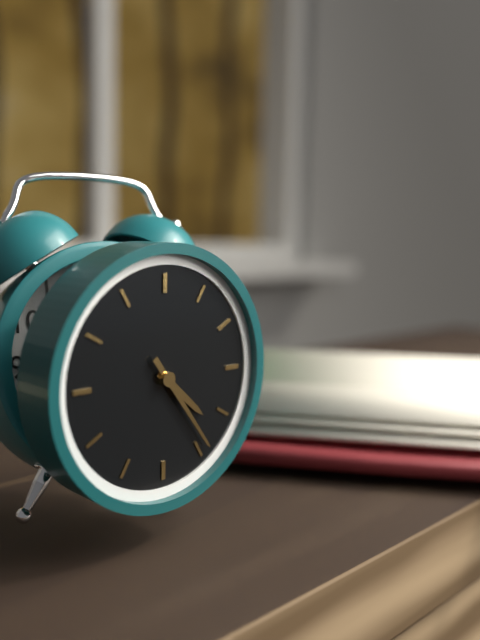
4h24
